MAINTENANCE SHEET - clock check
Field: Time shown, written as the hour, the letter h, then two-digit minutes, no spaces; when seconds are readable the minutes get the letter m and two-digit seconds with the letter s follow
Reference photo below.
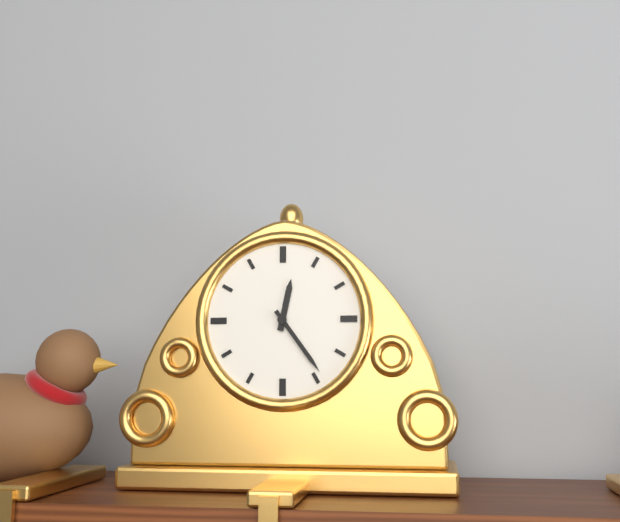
12h24
